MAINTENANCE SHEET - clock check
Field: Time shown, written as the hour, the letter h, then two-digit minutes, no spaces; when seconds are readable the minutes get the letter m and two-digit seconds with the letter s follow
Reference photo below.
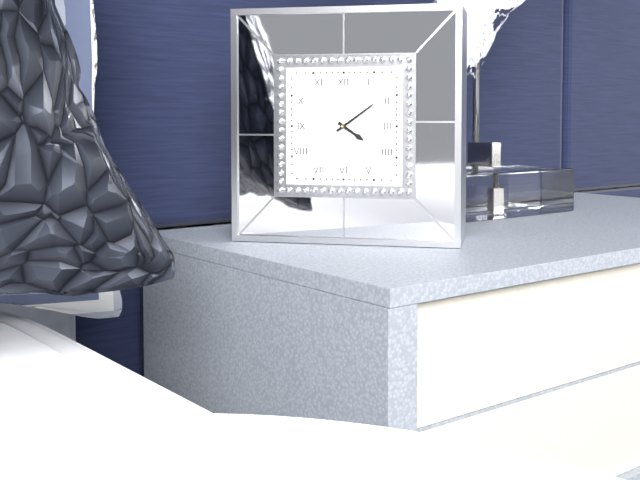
4h09
